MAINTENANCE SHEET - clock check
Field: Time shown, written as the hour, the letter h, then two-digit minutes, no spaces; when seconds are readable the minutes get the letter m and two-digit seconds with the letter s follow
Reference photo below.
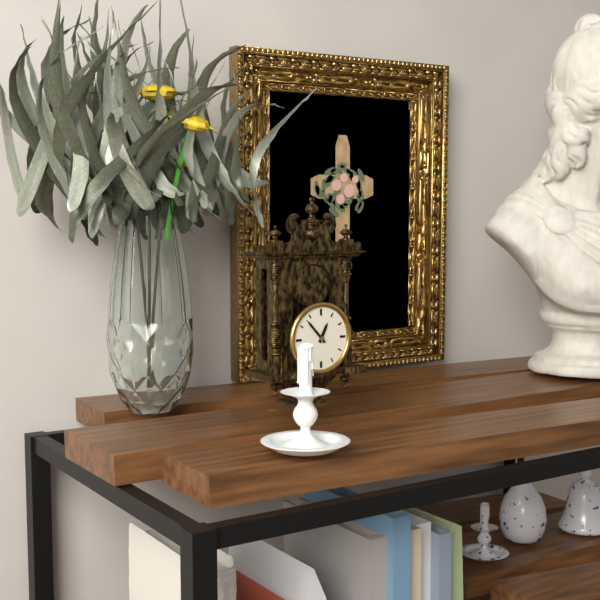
12h53
